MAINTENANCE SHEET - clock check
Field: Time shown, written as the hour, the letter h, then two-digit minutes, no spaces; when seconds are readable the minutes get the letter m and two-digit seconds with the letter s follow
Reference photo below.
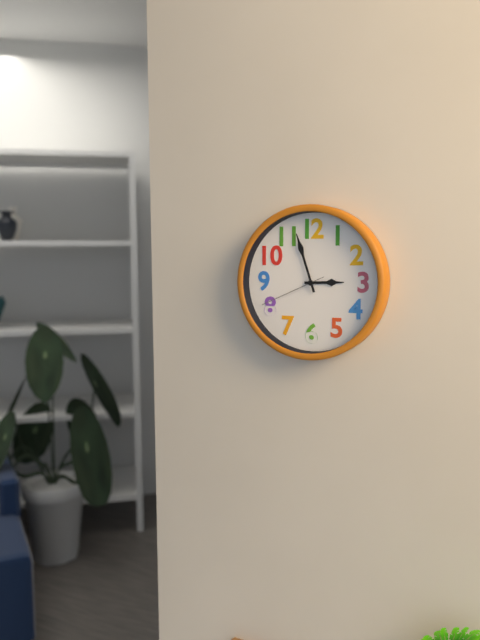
2h57m41s
